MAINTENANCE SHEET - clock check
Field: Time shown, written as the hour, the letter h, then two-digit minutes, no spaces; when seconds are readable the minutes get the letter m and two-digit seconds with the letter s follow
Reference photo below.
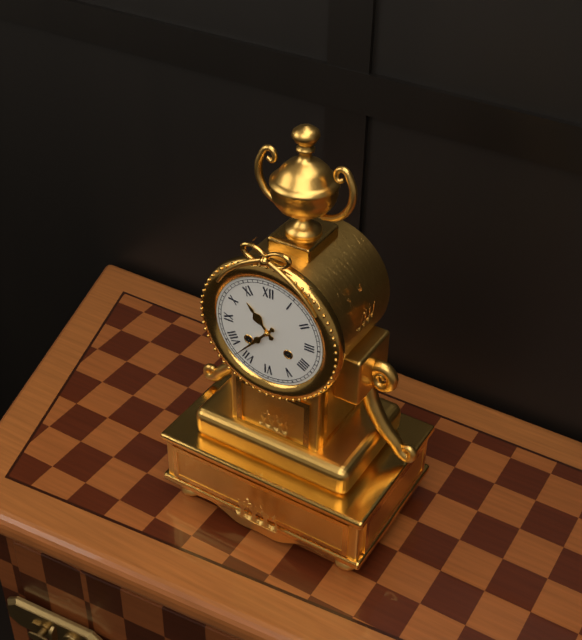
10h37
